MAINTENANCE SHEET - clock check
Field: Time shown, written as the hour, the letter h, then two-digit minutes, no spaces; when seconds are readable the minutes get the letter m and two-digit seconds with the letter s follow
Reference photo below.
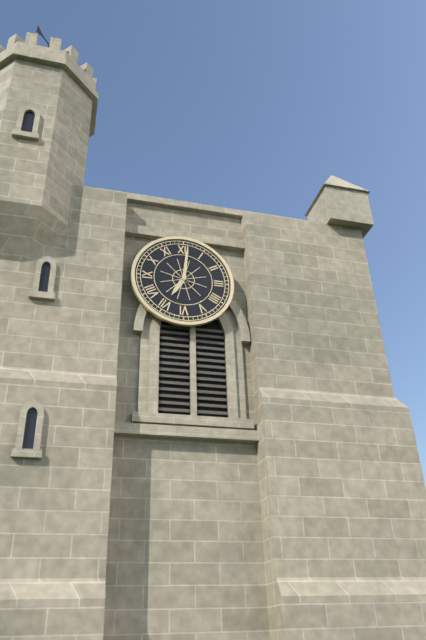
7h01
